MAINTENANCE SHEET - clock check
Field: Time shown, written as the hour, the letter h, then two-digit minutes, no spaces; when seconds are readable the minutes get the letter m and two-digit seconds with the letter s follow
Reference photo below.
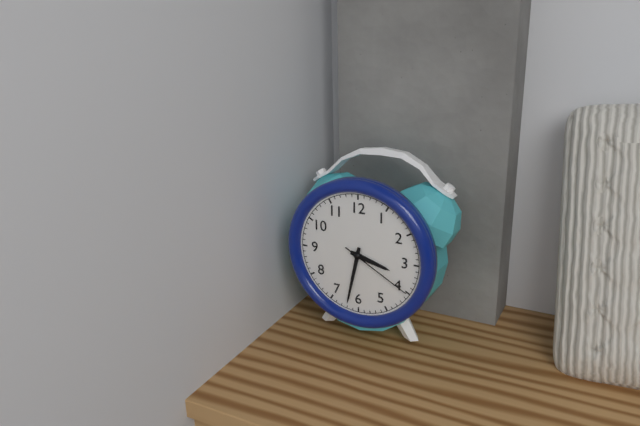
3h32m20s
